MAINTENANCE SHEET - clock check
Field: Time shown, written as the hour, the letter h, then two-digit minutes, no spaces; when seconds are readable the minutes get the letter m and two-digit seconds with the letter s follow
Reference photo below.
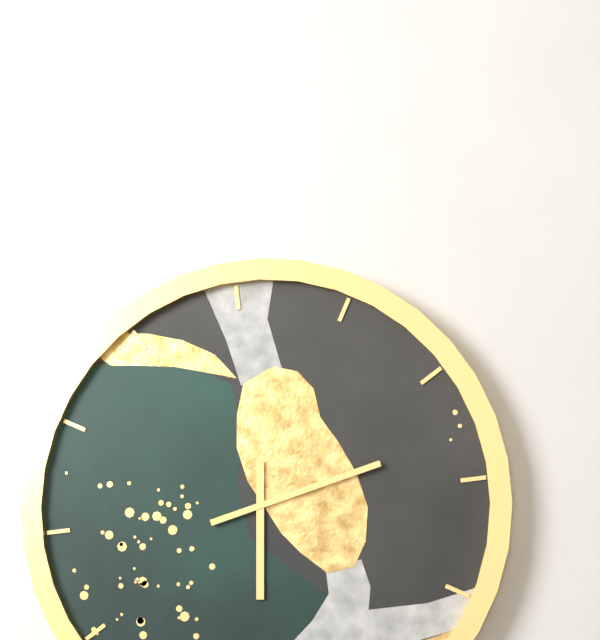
6h13
